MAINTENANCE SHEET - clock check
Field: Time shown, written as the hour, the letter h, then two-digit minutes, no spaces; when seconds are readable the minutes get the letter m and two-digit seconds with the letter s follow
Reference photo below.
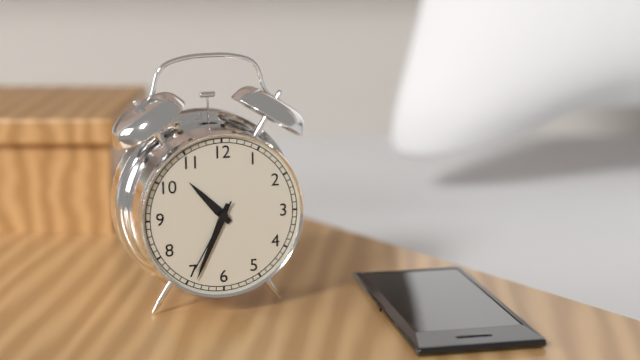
10h34m35s
